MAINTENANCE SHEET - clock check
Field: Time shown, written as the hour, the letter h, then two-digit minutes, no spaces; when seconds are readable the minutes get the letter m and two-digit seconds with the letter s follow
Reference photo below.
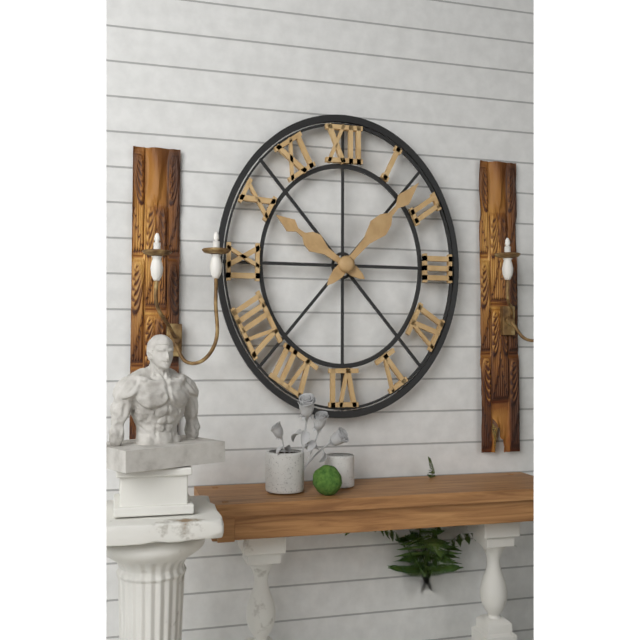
10h07
